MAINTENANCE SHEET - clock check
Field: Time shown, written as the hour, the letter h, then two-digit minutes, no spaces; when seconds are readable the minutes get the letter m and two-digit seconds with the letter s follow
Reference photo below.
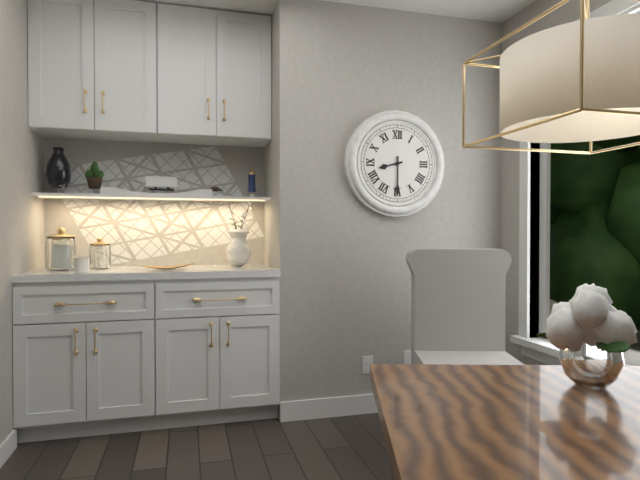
8h30
